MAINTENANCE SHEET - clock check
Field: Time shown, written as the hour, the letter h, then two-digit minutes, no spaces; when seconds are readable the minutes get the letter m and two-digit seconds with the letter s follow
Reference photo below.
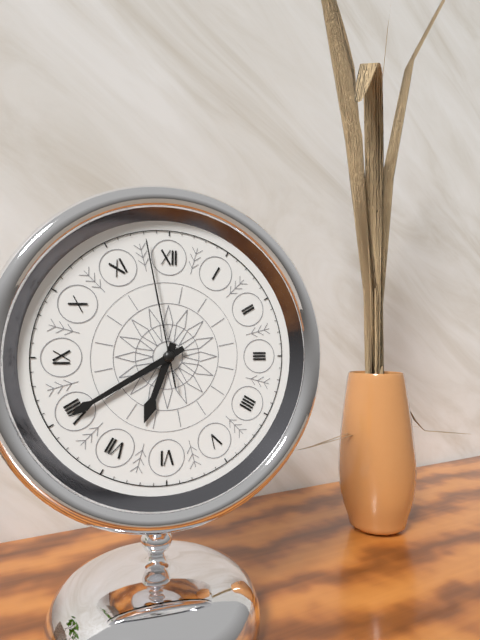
6h40m58s
